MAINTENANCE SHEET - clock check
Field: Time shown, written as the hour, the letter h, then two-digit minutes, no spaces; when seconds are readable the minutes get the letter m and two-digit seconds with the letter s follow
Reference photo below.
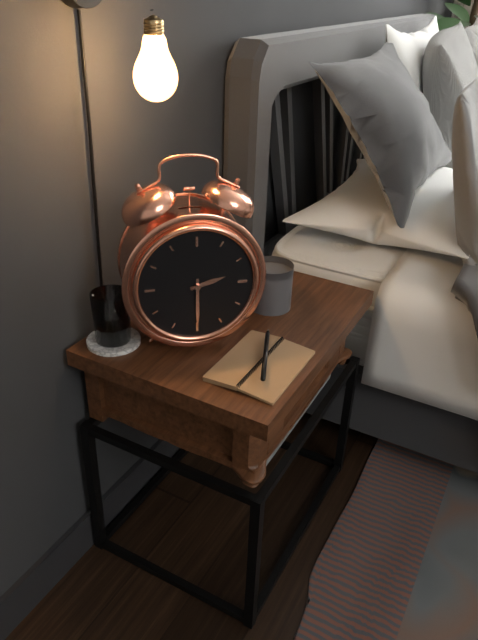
2h30
